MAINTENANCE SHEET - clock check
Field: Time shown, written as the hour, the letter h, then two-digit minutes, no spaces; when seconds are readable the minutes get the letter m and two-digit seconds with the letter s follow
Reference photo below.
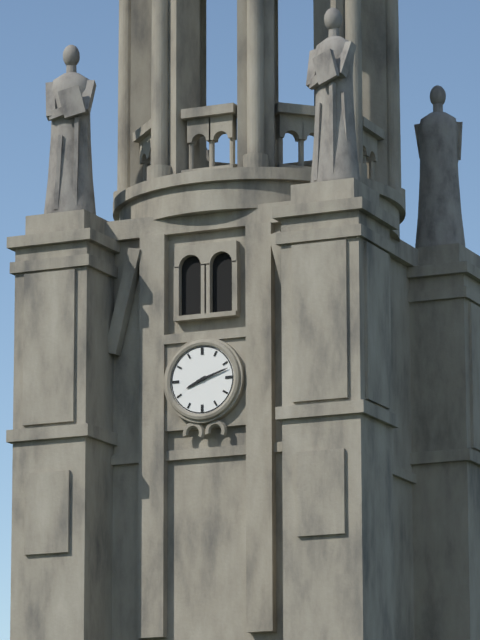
8h12
